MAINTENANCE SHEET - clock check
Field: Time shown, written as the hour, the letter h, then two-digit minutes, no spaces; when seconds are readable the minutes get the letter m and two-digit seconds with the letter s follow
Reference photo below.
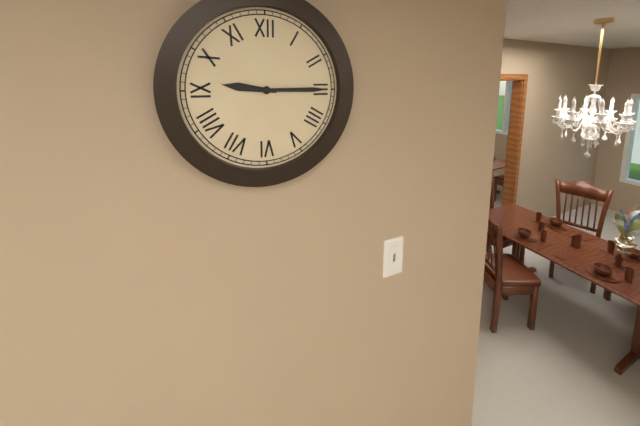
9h15
